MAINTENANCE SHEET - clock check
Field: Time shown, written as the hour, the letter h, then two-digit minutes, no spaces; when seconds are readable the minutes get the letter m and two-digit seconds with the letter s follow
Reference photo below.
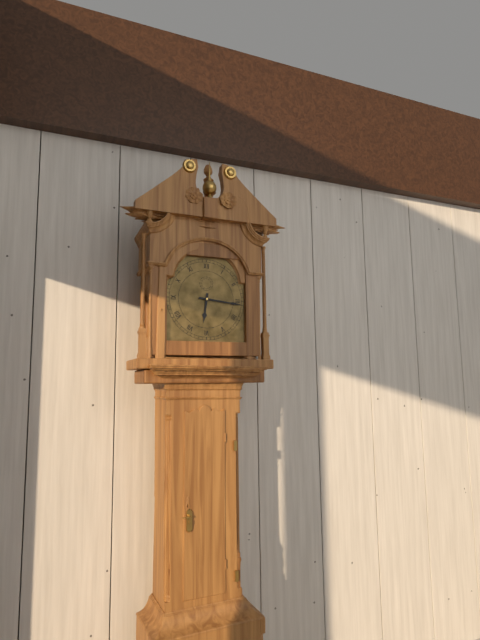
6h16
